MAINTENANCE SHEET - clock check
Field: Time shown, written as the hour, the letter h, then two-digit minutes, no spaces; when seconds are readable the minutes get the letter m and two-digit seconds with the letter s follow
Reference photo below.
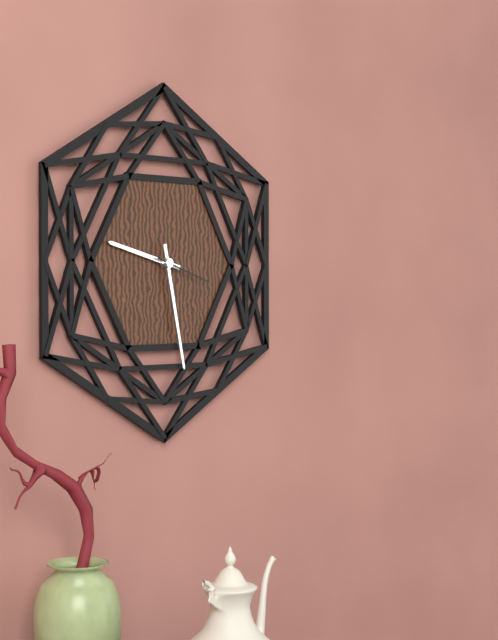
9h28m18s
